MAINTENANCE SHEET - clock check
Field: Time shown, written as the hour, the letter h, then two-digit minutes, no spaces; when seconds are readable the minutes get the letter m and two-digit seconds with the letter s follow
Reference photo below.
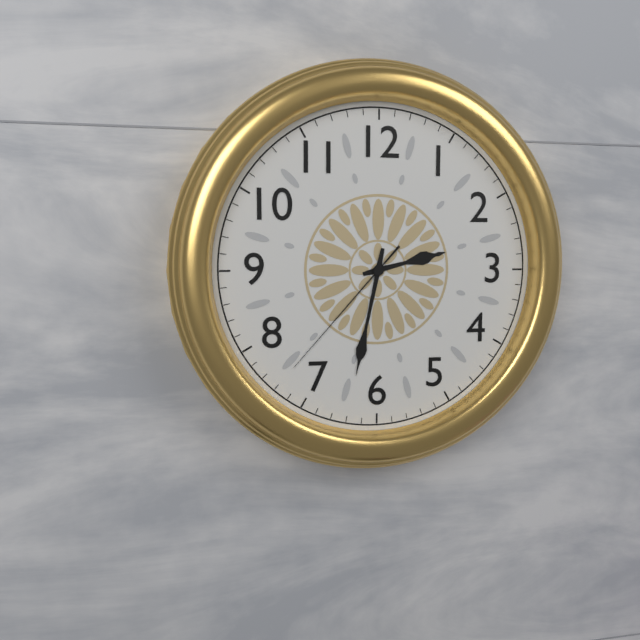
2h32m37s
